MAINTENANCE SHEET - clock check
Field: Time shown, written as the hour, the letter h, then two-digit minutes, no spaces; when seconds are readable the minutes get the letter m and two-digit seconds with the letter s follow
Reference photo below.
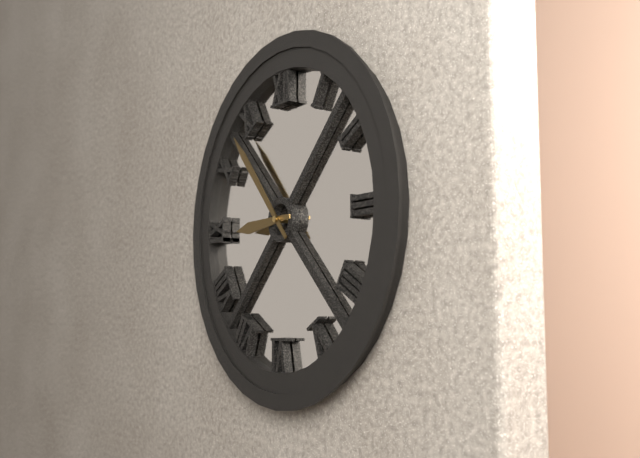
8h53
